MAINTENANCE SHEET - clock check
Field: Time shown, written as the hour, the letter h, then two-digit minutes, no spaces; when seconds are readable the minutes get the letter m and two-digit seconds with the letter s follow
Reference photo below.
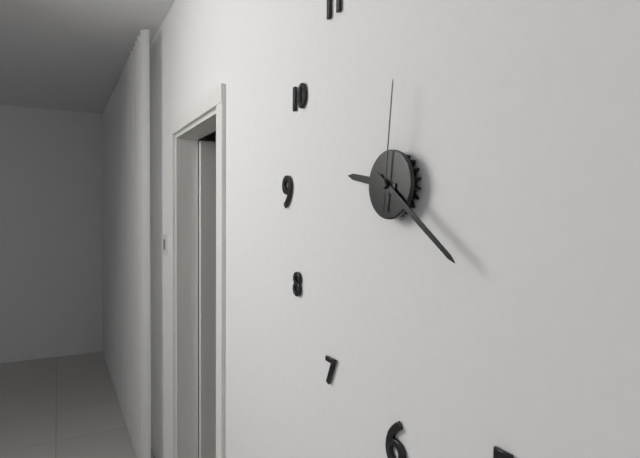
9h21m01s
